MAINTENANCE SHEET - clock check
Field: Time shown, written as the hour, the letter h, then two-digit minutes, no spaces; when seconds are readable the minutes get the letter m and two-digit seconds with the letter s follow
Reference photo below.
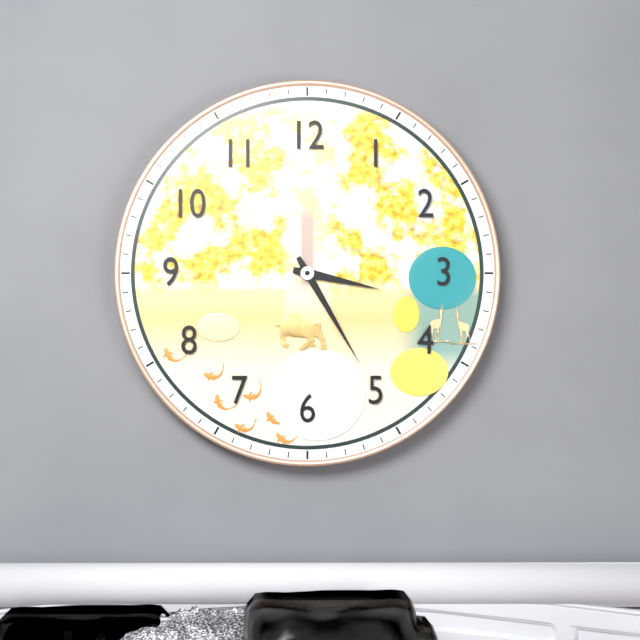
3h25
